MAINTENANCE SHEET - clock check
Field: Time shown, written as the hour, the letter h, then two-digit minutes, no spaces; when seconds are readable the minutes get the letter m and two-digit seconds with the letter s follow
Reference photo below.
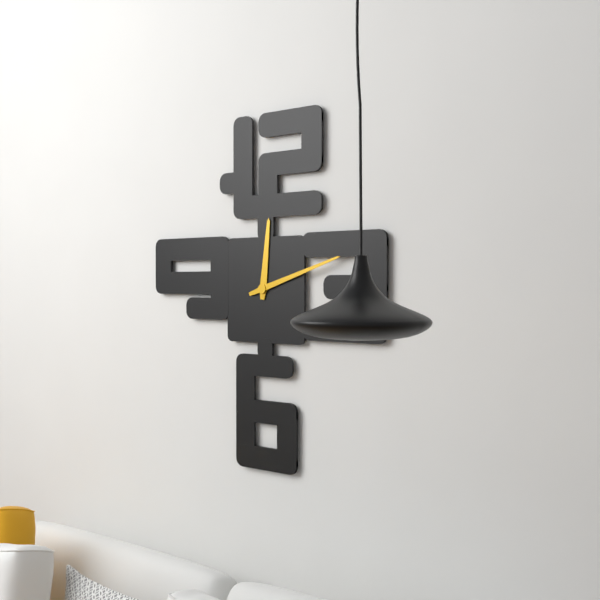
12h12
